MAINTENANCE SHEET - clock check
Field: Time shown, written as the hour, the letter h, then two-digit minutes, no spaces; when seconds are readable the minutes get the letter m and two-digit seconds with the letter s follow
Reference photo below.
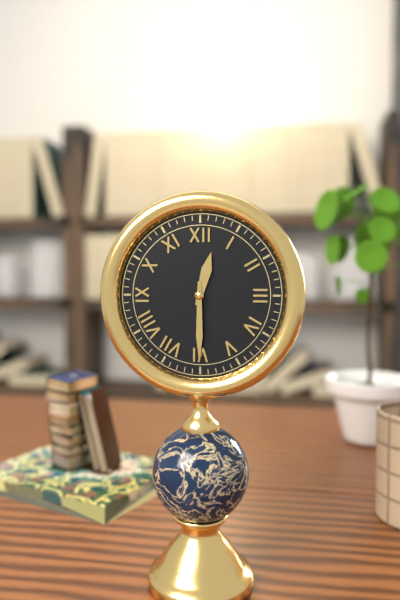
12h30
